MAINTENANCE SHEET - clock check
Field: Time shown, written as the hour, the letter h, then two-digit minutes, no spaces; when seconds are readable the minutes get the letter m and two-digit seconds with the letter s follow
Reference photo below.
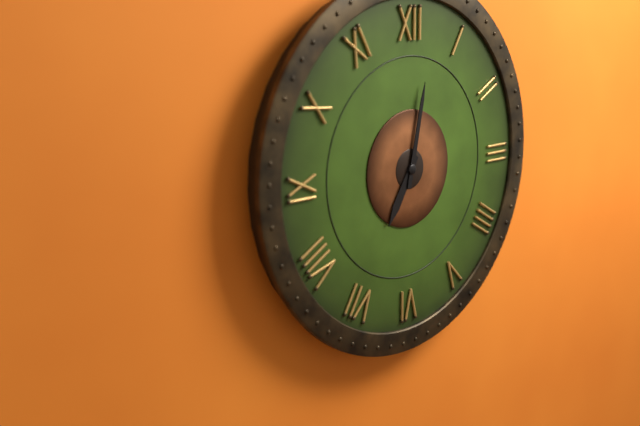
7h02
